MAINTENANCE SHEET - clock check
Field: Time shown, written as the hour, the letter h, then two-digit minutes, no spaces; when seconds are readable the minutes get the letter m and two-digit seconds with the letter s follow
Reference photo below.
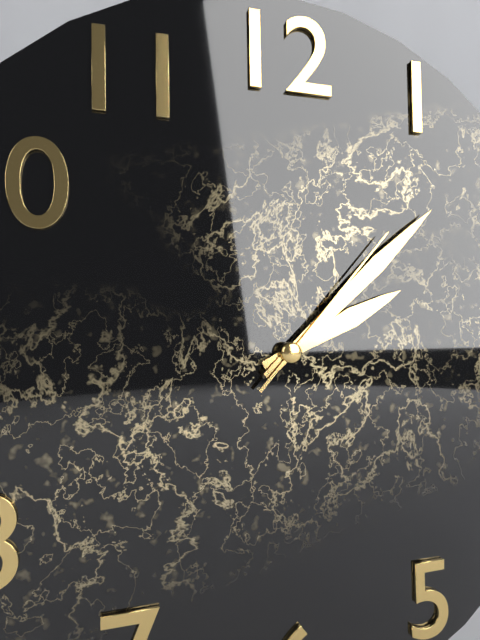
2h08m07s
